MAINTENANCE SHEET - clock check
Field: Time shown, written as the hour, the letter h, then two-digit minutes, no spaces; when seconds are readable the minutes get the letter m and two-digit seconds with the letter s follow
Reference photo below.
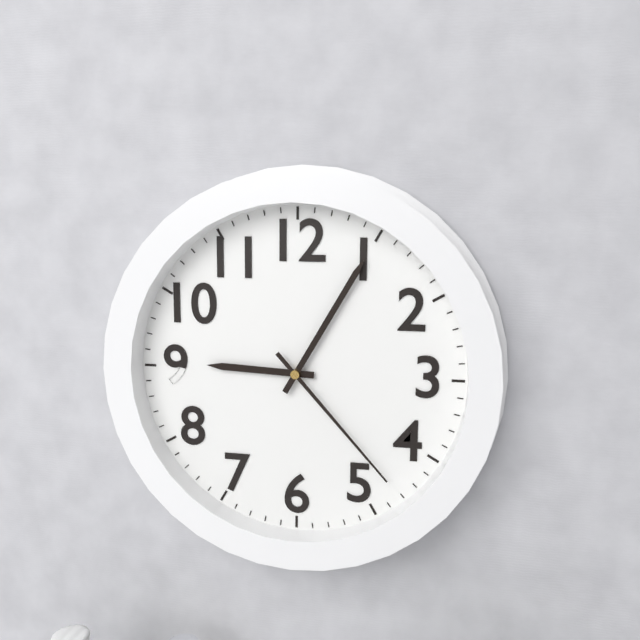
9h05m23s
